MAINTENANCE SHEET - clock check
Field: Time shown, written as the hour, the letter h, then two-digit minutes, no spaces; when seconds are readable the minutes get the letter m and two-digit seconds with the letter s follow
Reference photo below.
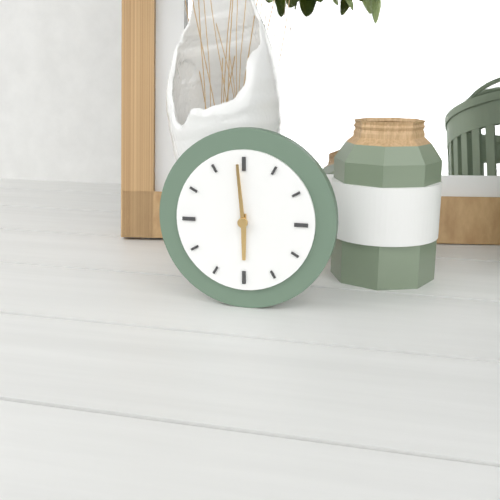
5h59
